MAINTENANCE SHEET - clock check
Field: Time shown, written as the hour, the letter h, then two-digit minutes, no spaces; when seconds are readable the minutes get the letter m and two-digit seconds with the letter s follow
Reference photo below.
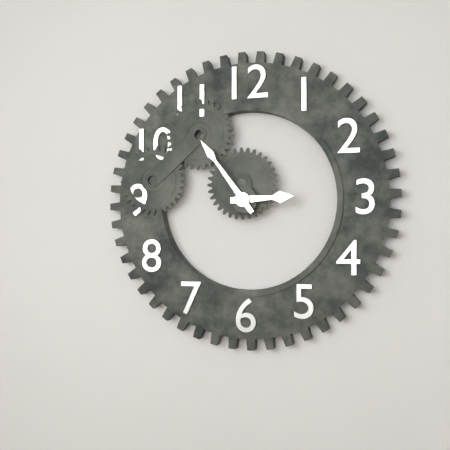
2h54
